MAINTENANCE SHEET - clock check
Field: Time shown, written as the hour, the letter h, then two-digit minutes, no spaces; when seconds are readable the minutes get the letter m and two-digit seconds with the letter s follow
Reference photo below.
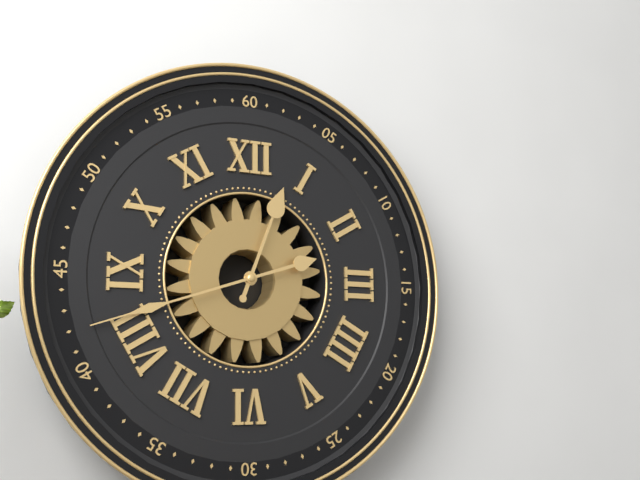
12h42
